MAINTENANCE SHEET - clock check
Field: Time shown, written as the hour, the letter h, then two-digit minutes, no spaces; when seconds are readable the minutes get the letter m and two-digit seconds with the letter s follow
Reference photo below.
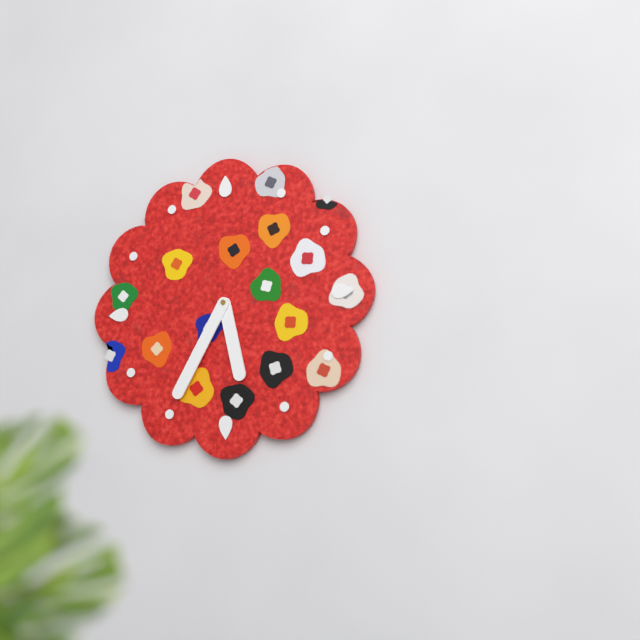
5h35
